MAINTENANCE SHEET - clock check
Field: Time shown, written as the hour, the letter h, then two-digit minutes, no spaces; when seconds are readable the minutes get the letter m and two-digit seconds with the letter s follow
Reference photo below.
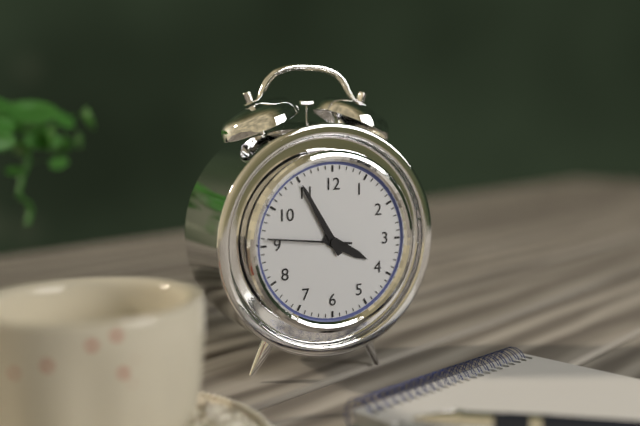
3h55m46s
